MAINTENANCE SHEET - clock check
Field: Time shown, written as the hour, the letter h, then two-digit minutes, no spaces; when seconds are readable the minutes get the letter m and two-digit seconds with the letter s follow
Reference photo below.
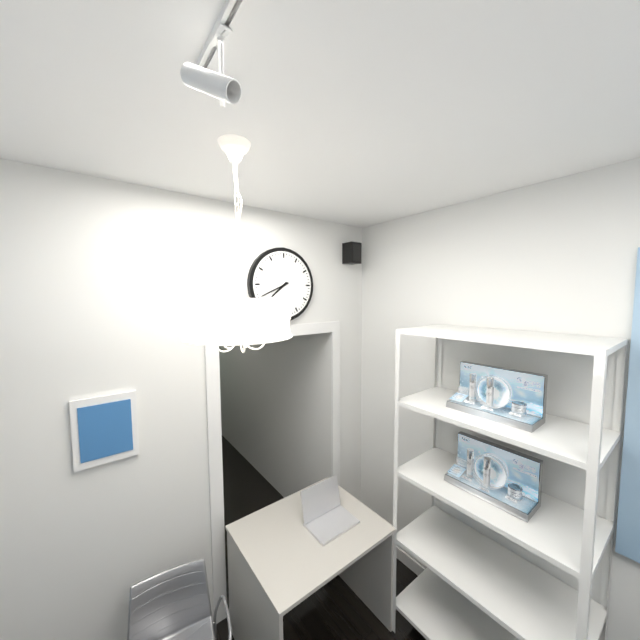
7h41
